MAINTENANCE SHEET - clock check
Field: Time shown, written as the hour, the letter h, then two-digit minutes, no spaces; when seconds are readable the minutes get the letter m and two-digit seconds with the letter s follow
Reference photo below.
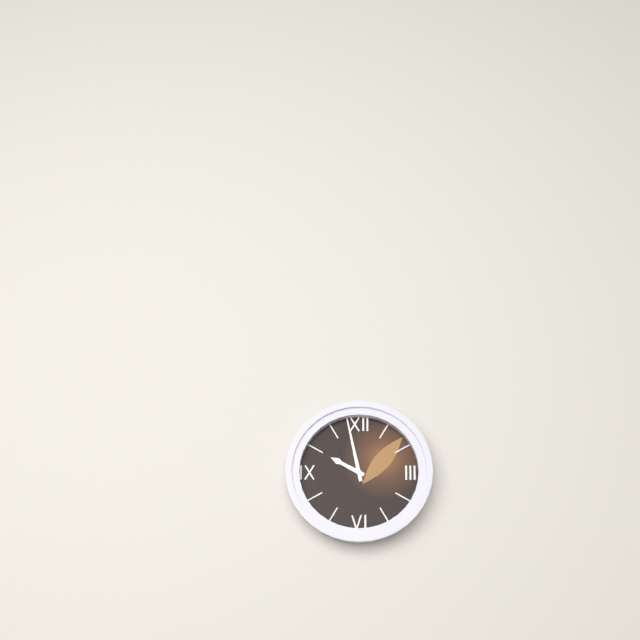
9h58
